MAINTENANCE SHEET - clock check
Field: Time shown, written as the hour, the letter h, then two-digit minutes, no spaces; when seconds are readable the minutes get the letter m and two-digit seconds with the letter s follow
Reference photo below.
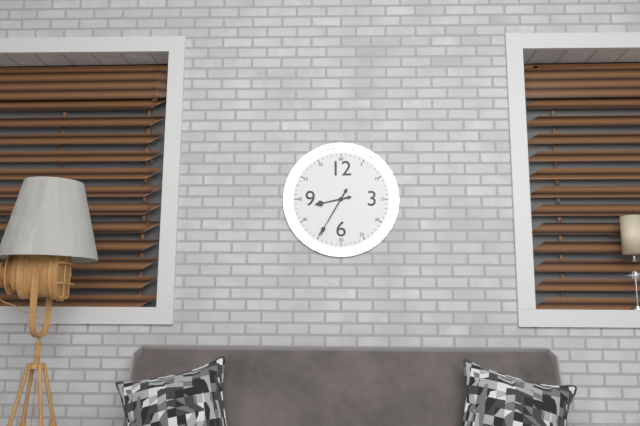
8h35
